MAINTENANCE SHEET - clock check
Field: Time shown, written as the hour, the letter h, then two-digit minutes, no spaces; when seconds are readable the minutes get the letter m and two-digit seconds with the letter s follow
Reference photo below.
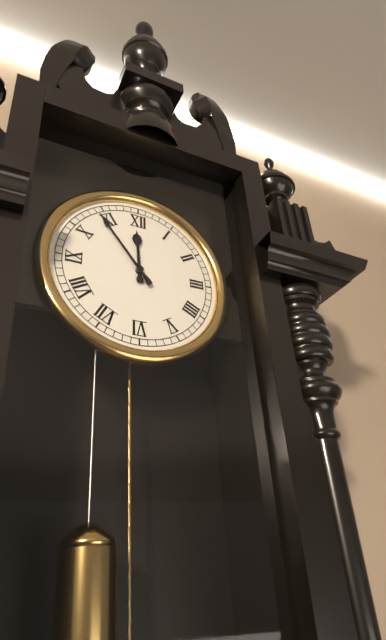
11h54
